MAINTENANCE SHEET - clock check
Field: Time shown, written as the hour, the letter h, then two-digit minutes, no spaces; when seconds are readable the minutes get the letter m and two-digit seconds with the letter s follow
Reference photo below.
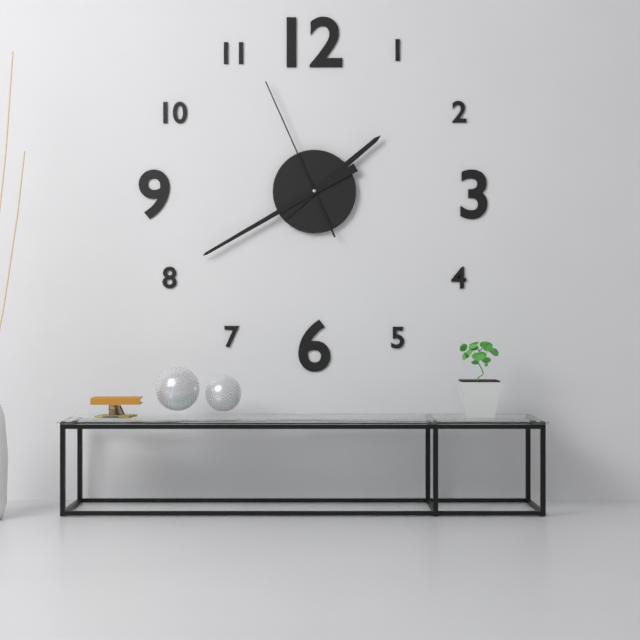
1h40m56s
